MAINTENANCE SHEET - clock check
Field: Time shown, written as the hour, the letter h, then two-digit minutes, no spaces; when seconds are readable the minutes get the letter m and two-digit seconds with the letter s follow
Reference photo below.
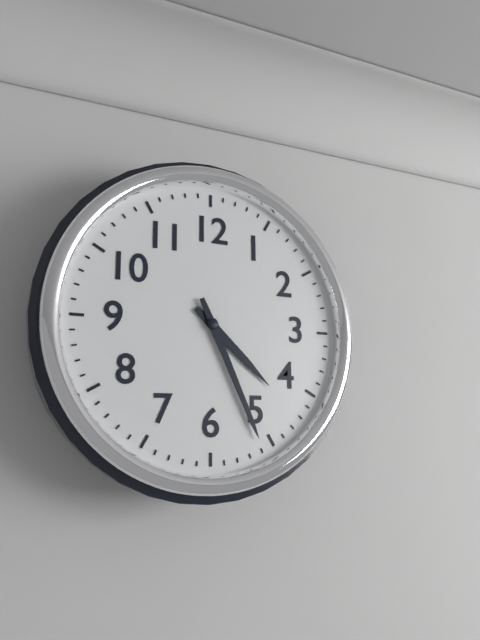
4h26
